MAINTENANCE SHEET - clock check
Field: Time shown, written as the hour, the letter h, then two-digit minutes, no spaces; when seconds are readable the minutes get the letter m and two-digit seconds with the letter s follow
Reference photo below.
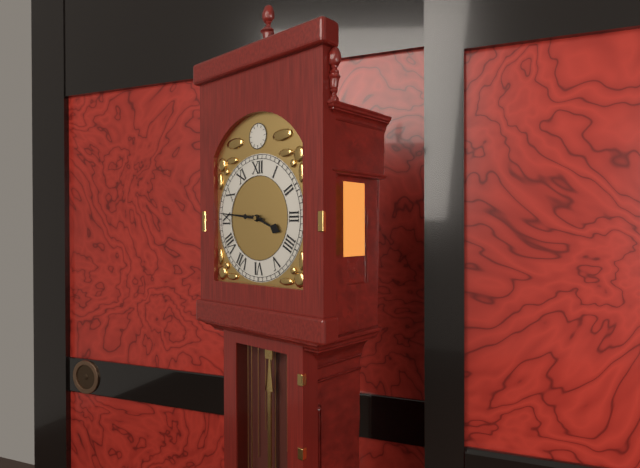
3h46
